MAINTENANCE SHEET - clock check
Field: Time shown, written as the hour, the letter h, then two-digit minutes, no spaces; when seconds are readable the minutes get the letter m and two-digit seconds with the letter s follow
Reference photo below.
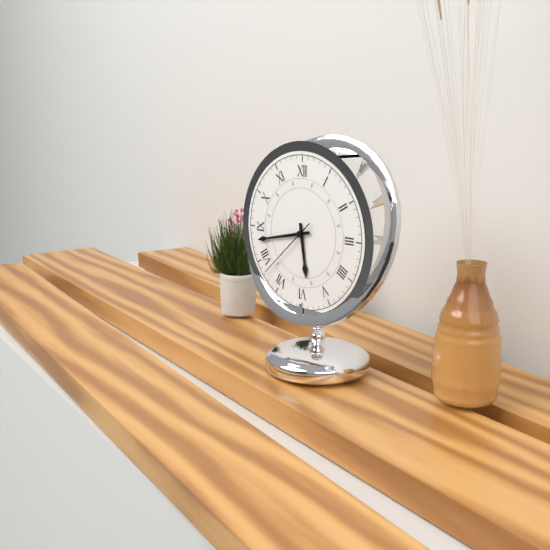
5h43m38s
